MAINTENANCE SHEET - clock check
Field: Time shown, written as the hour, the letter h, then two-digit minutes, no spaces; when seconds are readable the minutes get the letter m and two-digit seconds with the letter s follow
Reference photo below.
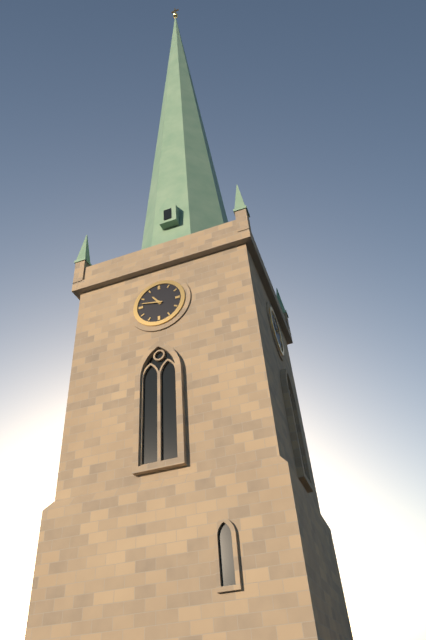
10h47
